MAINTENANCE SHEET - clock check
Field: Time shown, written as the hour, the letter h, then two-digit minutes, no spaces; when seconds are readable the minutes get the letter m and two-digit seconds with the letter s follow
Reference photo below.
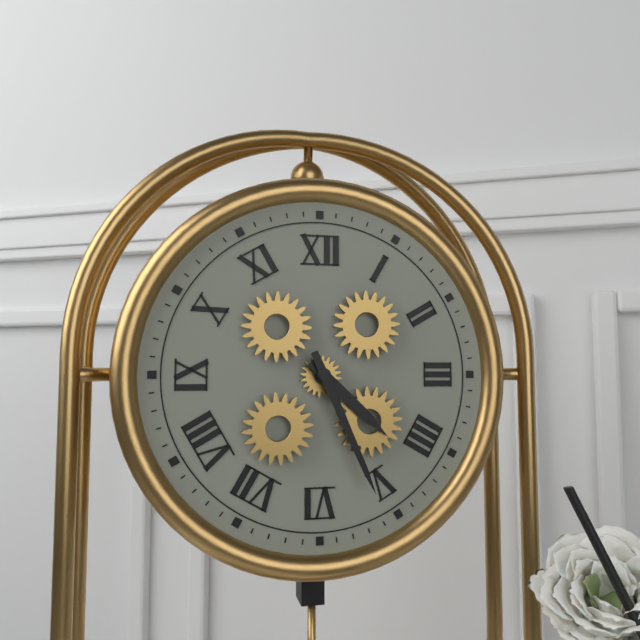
4h26
